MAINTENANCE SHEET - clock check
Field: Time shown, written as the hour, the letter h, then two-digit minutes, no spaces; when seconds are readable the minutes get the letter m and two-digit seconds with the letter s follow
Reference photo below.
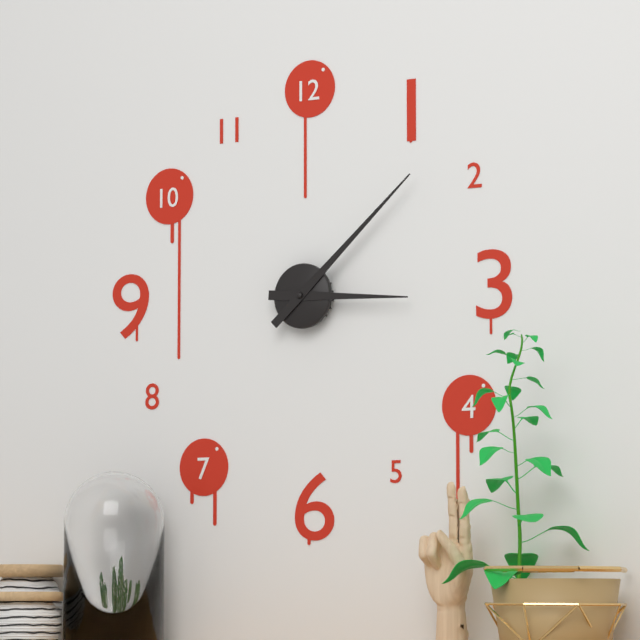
3h08
